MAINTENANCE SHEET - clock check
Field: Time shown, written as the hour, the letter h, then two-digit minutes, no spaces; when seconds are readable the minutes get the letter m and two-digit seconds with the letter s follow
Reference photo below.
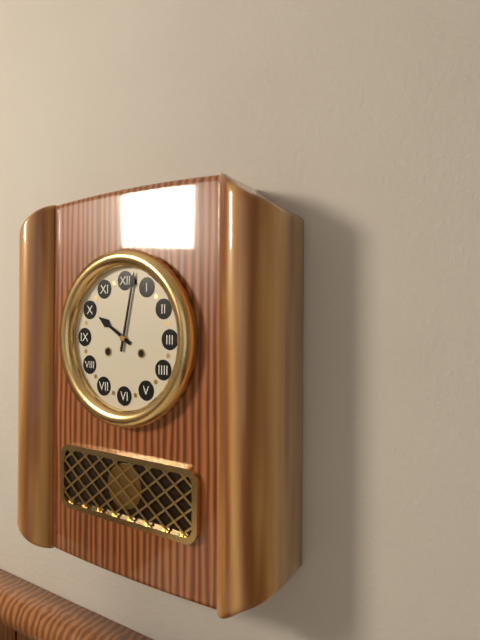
10h02
